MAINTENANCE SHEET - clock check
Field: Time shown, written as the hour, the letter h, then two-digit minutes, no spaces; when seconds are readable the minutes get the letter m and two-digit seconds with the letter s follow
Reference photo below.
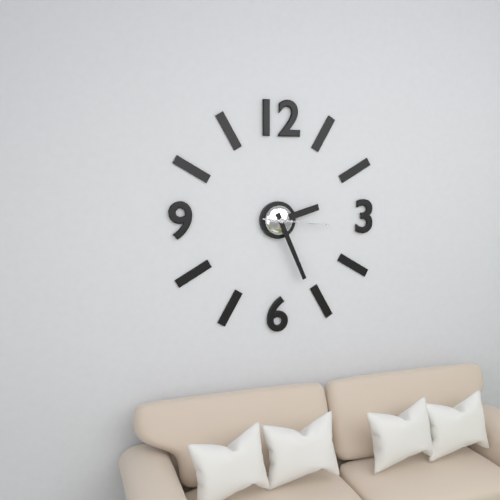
2h26m16s
